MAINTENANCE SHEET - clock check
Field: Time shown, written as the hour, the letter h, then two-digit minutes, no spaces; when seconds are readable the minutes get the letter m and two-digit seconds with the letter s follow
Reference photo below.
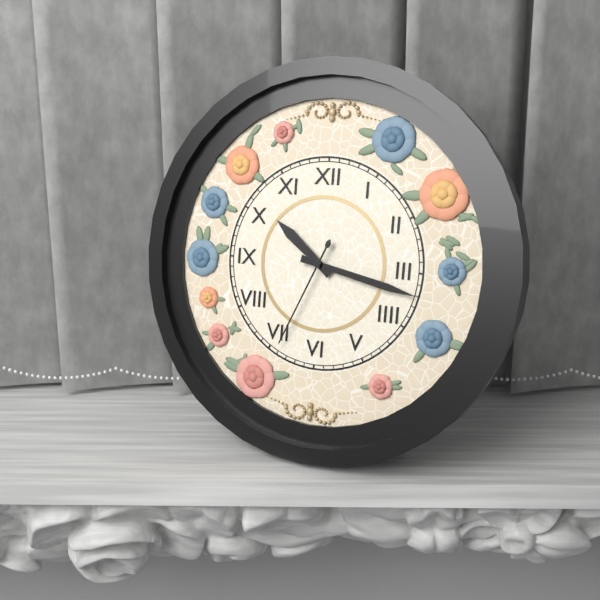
10h17m34s
